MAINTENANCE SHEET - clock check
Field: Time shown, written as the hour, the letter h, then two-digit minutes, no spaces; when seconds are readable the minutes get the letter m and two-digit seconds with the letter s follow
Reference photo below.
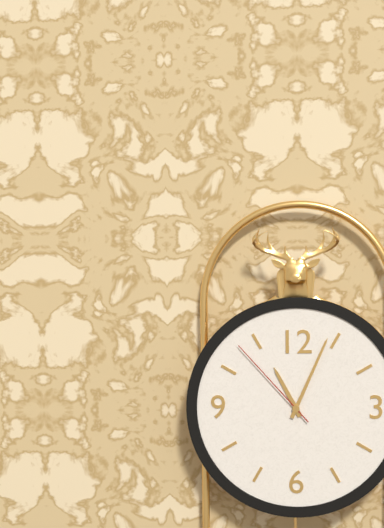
11h04m53s
